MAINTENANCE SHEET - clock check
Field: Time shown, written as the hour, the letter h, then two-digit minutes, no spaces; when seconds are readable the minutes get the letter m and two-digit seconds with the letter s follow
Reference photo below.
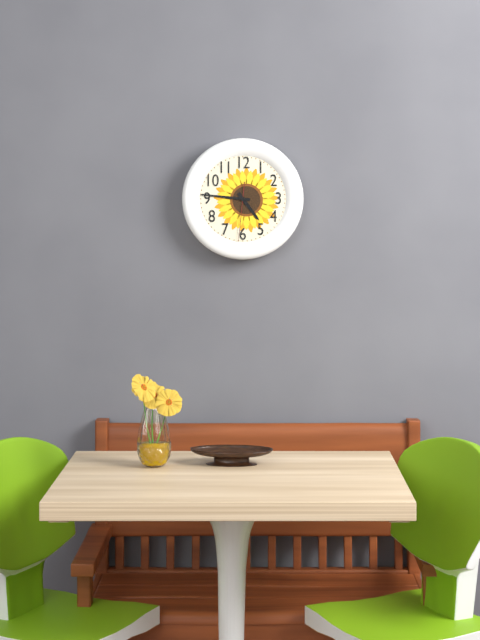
4h46m31s
